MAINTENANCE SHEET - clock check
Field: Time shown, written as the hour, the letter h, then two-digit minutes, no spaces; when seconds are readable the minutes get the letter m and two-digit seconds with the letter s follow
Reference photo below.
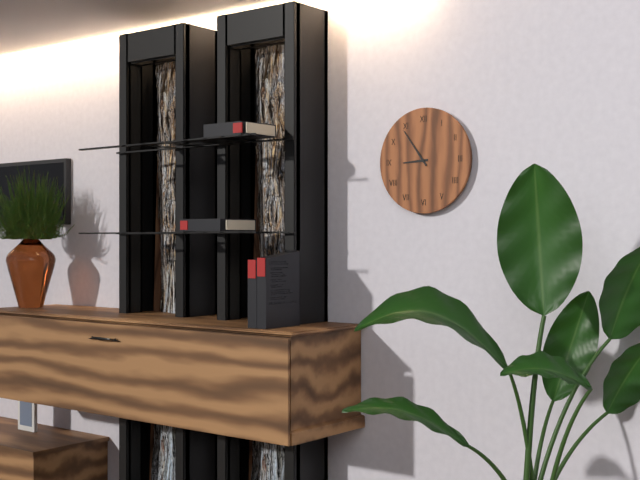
8h54
